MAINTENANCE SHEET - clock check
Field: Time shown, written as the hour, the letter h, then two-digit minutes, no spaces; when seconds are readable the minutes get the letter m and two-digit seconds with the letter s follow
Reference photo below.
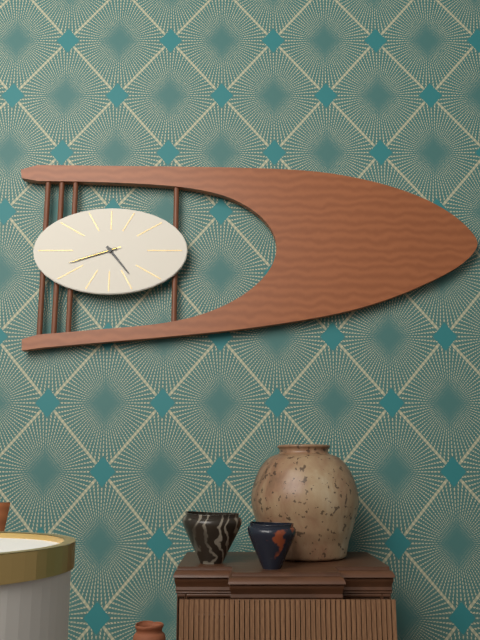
4h42m42s
